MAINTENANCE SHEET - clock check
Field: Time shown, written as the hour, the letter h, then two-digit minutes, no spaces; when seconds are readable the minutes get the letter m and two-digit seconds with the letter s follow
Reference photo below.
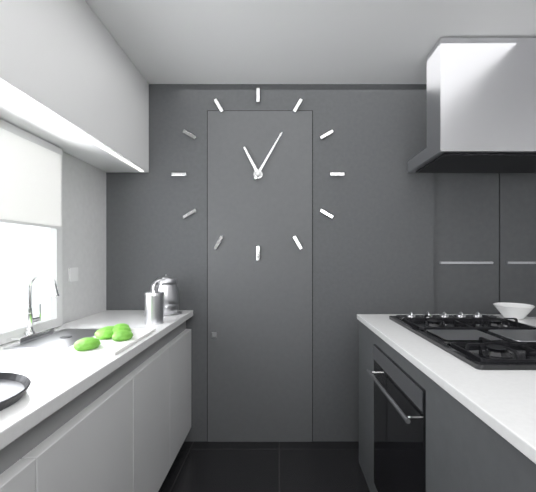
11h05
